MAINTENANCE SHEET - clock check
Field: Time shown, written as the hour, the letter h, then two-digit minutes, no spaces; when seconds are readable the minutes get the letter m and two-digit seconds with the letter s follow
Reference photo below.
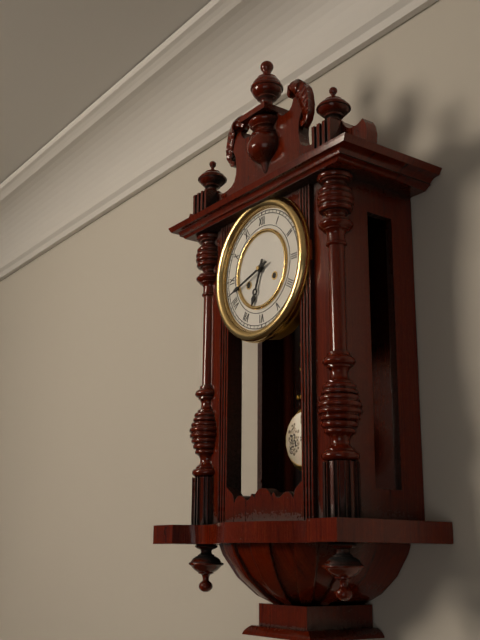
6h42
